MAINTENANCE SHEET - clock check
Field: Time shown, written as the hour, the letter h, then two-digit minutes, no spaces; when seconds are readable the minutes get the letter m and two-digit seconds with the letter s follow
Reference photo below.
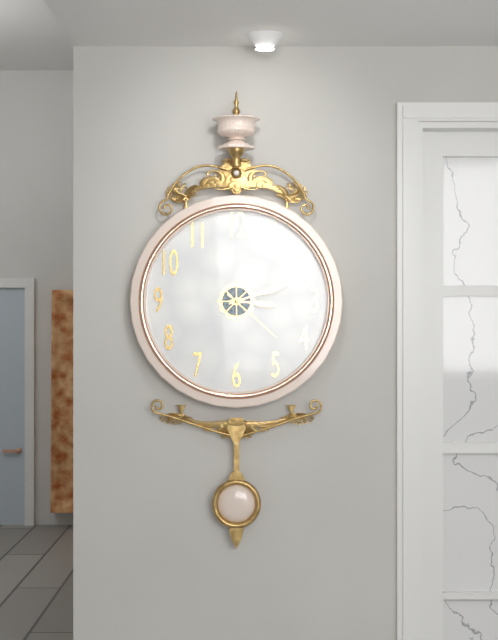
3h12m22s
